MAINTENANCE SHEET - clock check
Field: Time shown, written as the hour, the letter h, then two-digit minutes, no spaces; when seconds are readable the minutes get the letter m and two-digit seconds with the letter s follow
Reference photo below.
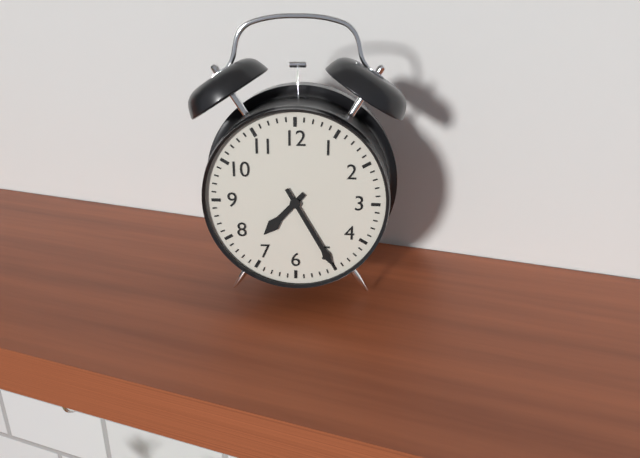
7h25
